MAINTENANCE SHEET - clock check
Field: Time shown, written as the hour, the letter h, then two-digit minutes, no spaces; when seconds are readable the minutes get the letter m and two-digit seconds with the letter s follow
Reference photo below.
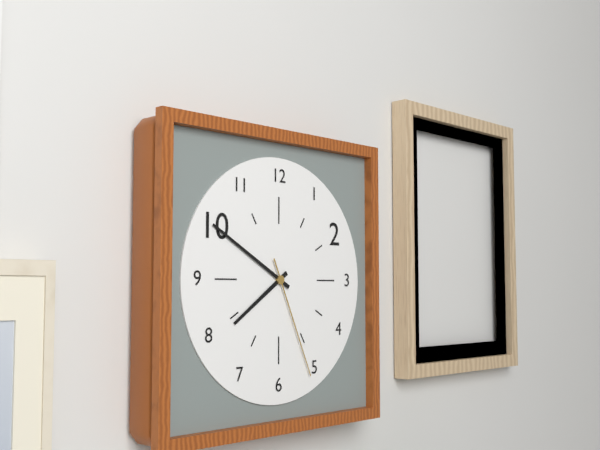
7h50m26s
